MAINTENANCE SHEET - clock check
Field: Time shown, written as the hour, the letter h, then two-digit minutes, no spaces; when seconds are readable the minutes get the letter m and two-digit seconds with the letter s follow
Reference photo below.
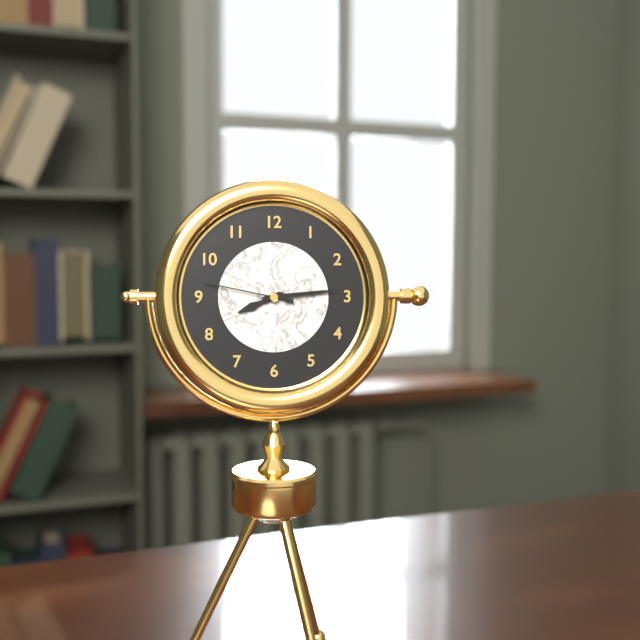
8h14m47s
